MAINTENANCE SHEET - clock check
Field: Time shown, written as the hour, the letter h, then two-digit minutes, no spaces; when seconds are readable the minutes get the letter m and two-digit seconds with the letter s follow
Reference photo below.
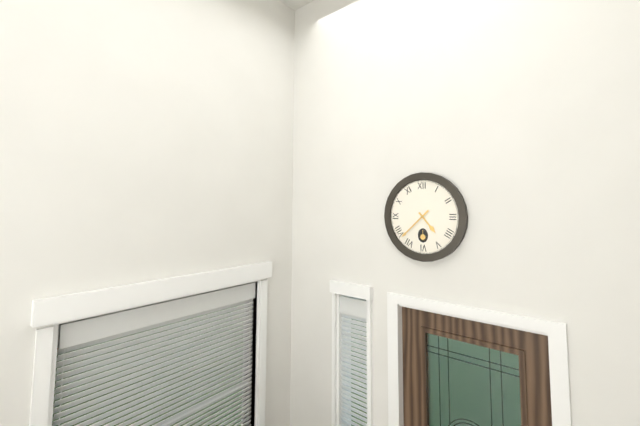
4h38
